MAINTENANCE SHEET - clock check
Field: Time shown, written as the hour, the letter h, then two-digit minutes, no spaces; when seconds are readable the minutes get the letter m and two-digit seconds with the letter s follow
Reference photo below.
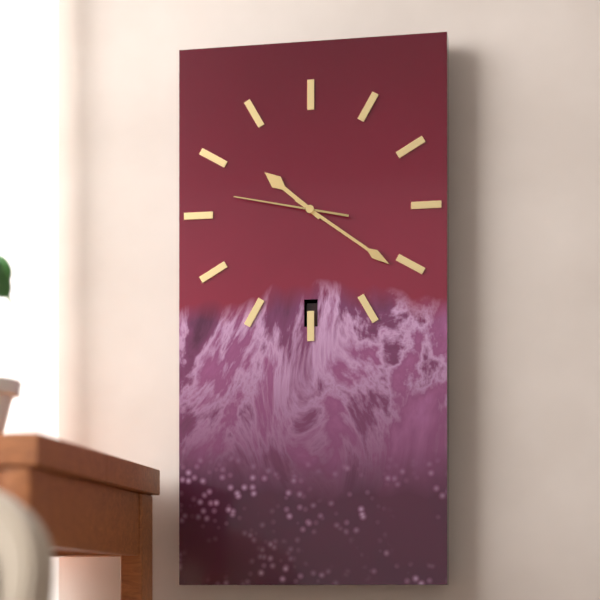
10h21m47s
